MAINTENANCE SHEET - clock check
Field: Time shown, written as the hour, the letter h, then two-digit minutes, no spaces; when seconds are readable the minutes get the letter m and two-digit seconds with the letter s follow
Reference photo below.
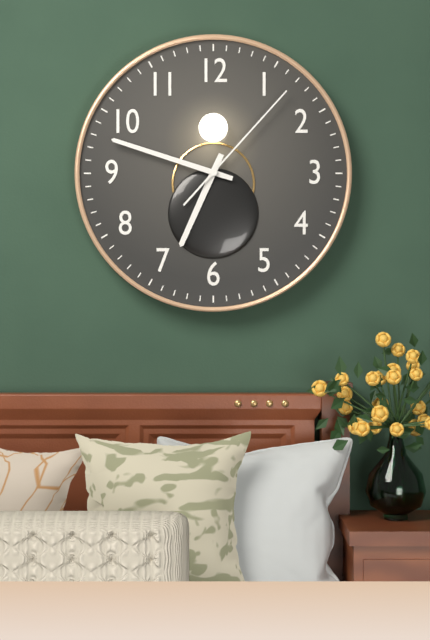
6h48m07s
